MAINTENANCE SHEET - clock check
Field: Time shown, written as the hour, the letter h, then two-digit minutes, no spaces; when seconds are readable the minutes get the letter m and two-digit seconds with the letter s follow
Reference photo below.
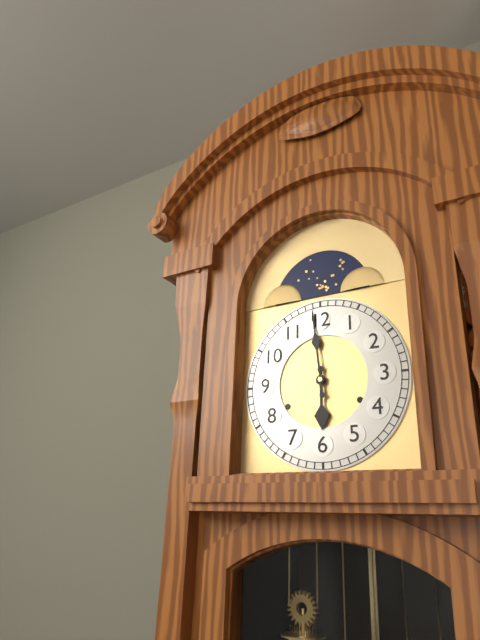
5h59
